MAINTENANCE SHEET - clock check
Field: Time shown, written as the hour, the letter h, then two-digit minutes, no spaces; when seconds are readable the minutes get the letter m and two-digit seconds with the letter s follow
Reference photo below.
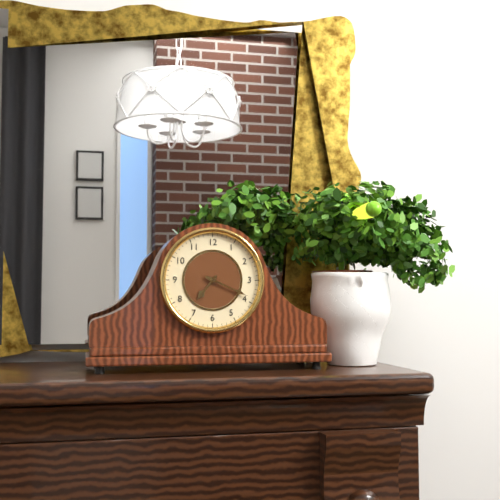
7h19
